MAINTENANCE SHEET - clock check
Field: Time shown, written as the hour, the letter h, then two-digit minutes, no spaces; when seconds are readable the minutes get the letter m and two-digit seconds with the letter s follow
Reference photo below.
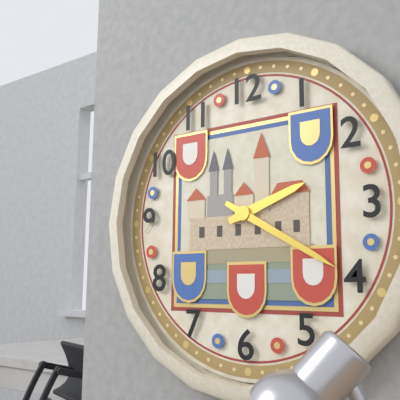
2h20
